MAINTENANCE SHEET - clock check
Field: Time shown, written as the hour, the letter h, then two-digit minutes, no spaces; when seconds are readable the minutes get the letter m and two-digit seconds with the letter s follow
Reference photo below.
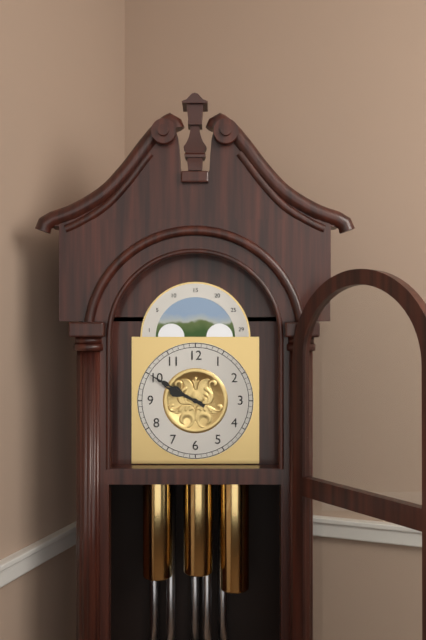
9h50
